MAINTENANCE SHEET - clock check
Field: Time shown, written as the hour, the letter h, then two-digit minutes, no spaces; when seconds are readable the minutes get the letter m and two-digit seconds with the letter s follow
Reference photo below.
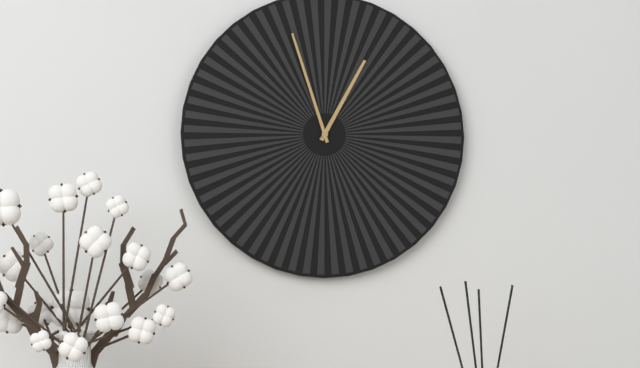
12h57
